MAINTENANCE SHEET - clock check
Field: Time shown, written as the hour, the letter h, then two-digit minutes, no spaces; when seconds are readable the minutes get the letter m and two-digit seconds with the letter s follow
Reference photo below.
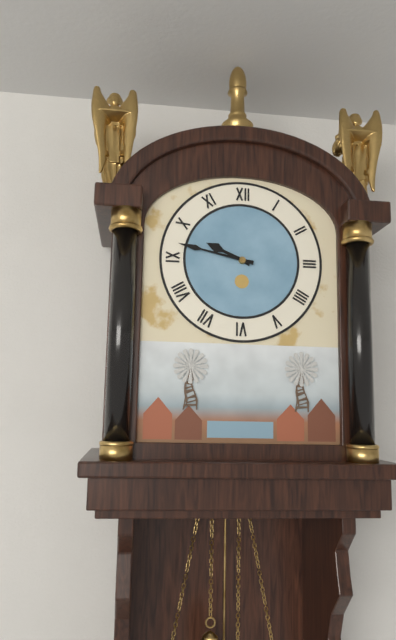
9h47
